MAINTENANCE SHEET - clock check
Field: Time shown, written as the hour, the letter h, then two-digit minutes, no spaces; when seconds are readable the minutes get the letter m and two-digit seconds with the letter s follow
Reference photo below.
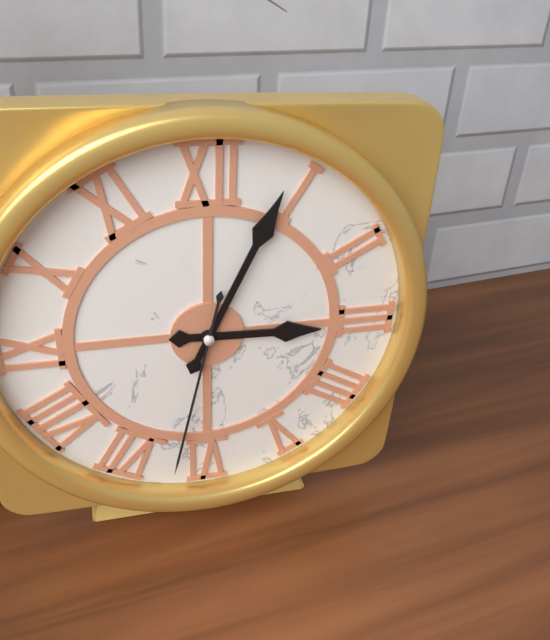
3h04m32s
